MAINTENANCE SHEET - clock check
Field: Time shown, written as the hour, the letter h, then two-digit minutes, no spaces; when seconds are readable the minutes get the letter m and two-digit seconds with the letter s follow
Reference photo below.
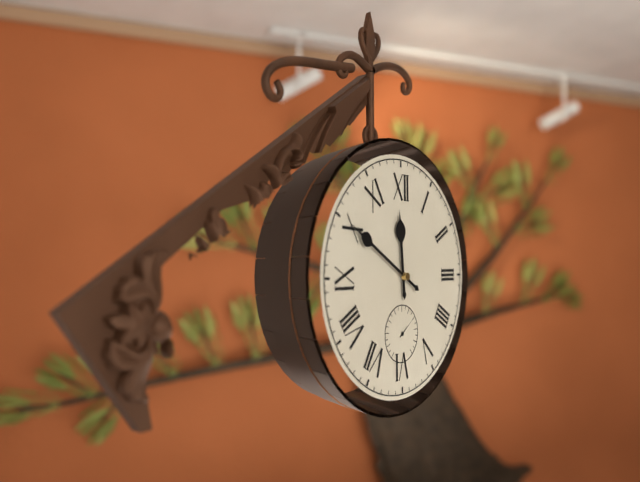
11h50
